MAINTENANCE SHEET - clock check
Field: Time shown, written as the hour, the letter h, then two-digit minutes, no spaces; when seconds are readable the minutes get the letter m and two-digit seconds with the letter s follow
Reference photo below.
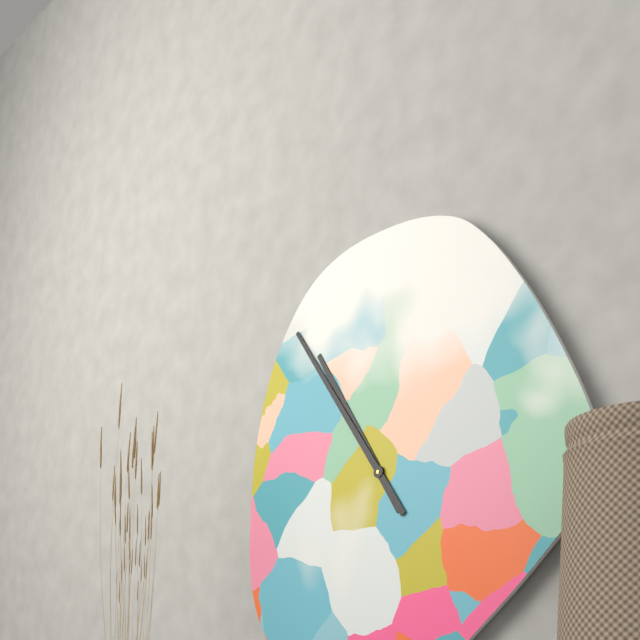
10h54
